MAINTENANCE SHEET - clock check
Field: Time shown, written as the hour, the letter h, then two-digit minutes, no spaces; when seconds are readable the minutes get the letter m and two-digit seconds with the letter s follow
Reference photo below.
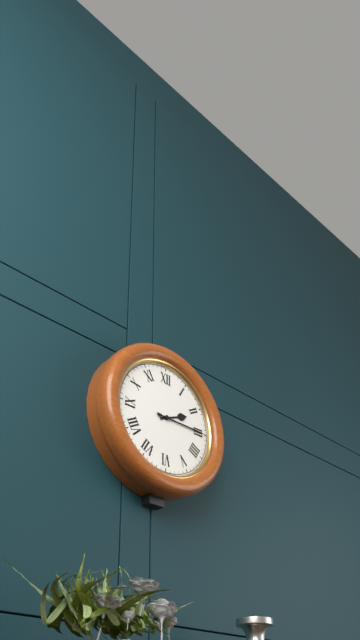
2h15
